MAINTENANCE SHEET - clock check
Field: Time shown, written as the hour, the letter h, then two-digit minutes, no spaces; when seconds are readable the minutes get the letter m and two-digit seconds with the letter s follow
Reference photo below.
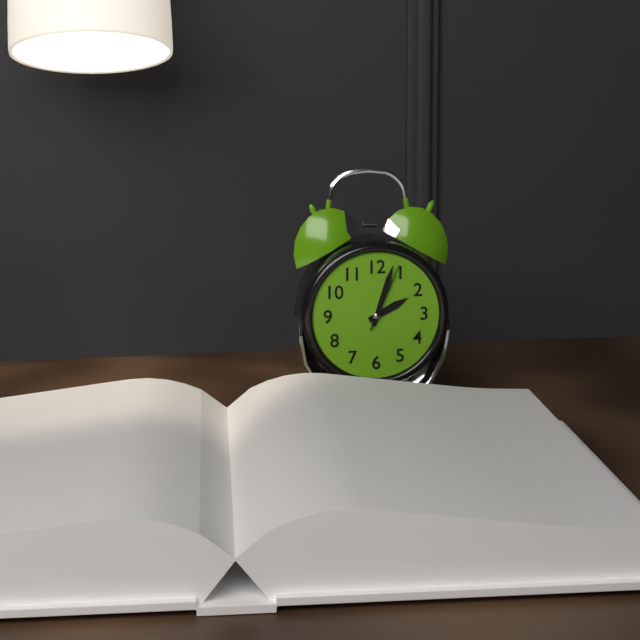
2h03m04s
